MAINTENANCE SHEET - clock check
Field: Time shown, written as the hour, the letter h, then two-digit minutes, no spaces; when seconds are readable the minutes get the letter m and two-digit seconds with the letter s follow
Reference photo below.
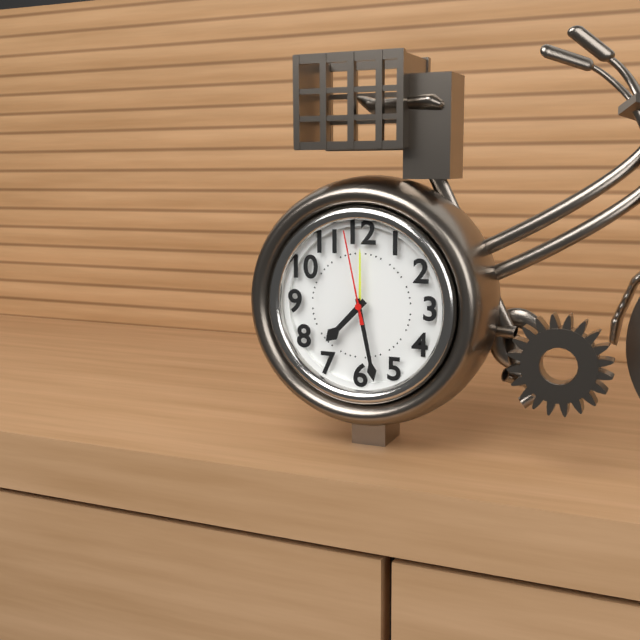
7h28m58s
